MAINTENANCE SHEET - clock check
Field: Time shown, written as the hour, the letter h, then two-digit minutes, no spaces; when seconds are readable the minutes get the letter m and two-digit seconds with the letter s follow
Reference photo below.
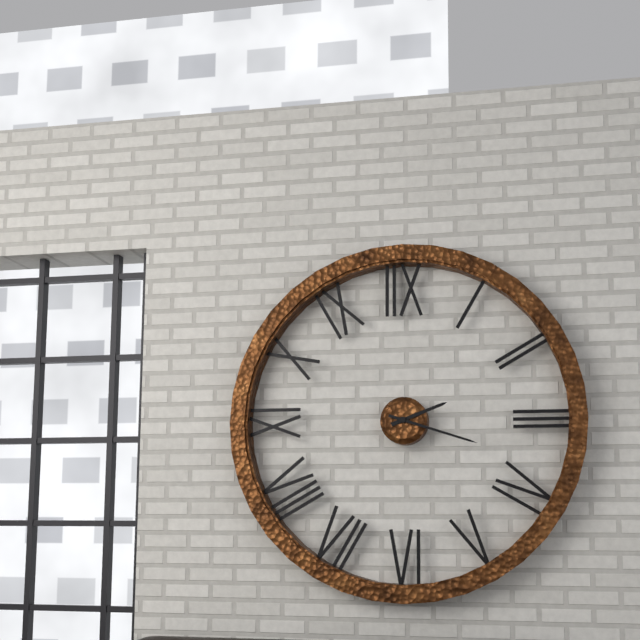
2h18
